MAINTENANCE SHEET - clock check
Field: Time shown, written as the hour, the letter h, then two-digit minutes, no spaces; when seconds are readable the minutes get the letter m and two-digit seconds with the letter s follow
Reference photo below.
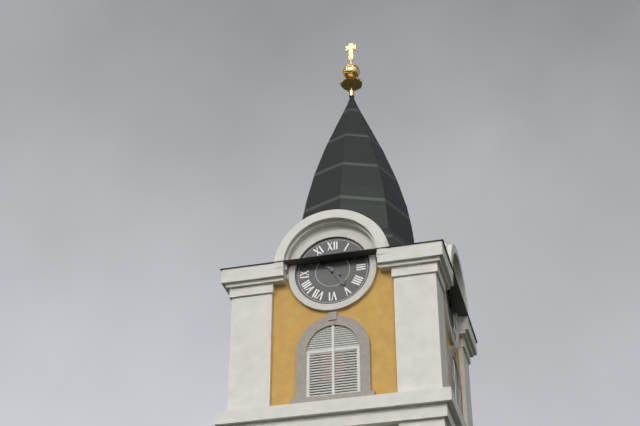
4h52
